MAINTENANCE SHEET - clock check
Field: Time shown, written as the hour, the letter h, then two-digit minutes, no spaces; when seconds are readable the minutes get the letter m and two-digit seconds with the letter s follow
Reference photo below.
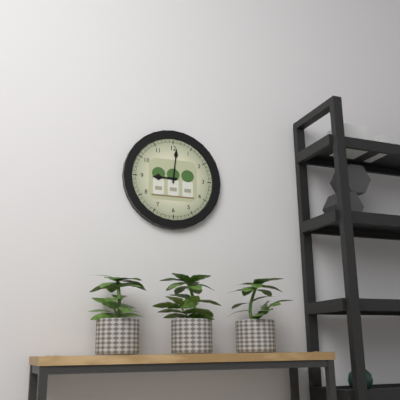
9h01
